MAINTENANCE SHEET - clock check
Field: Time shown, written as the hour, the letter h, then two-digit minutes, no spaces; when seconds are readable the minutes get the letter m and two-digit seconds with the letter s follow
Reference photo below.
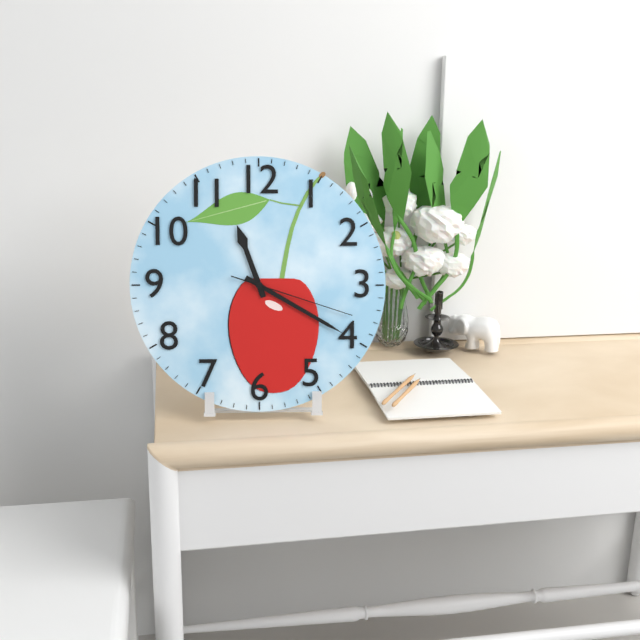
11h20m18s
